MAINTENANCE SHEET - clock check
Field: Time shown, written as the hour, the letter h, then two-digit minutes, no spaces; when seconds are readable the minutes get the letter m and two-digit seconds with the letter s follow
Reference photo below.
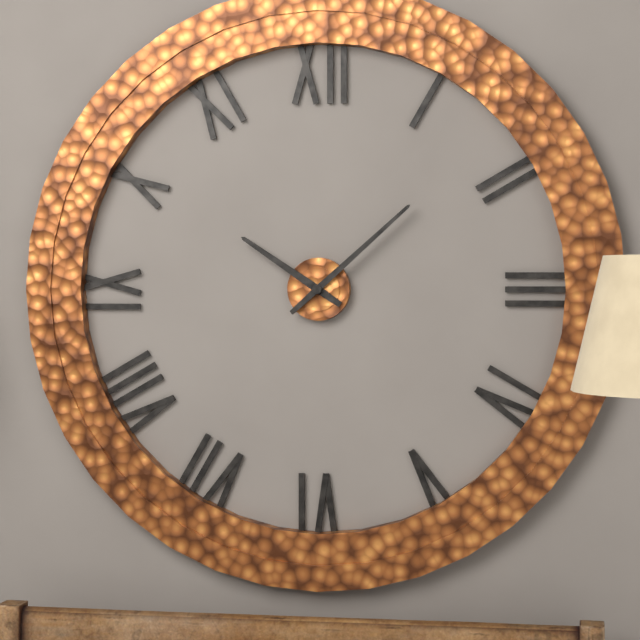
10h08
